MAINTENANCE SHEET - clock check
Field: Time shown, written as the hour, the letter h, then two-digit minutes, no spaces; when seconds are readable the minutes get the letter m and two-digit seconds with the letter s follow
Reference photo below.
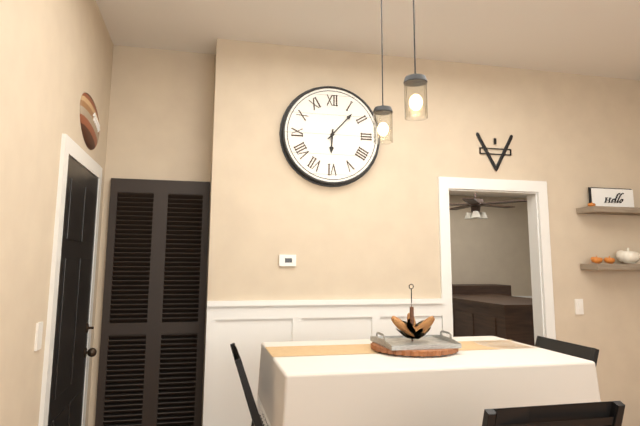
6h07
